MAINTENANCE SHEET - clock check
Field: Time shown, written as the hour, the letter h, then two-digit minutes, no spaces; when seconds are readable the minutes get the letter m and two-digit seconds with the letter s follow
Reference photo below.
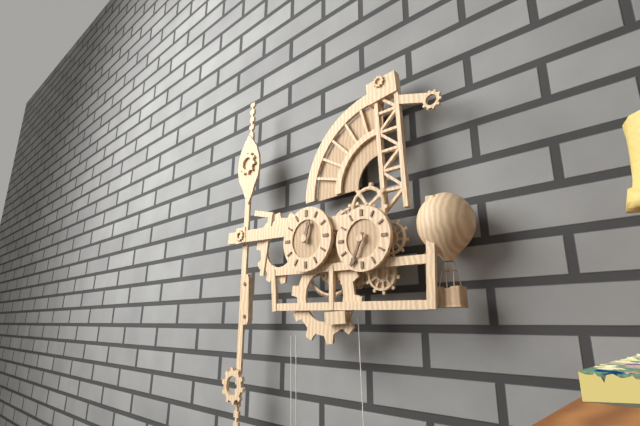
12h34
